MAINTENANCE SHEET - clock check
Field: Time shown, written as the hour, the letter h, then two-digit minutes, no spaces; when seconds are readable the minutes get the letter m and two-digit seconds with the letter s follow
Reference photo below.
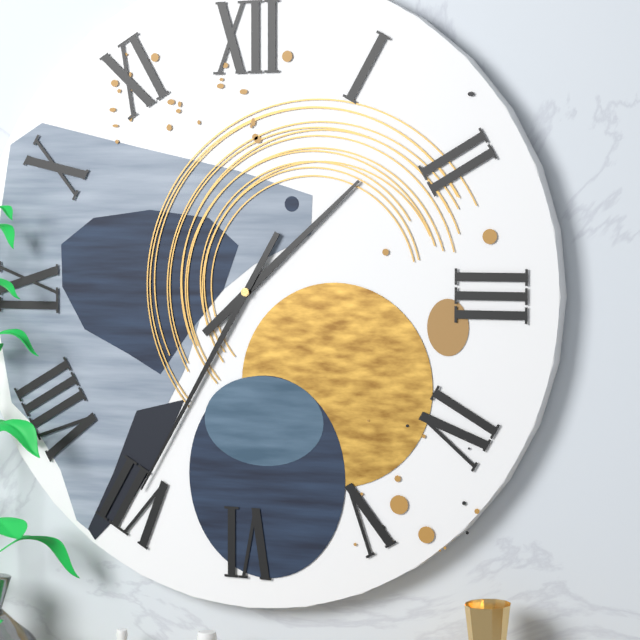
1h35
